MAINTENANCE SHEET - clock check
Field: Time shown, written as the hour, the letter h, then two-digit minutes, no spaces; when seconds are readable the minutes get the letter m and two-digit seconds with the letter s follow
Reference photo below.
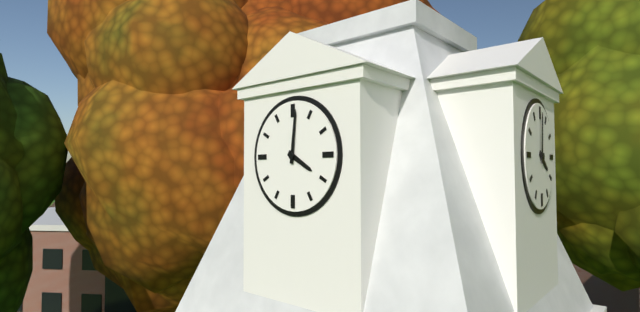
4h01
